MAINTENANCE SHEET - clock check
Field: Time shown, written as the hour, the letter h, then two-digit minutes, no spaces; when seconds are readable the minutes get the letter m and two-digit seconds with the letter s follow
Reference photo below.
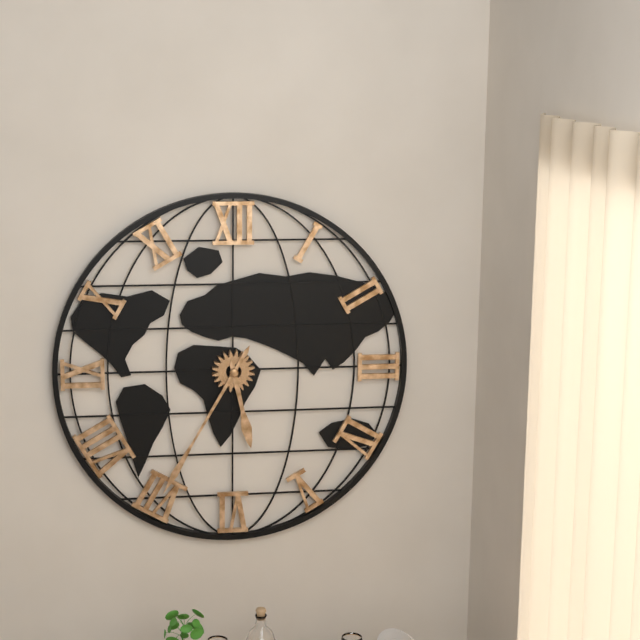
5h35
